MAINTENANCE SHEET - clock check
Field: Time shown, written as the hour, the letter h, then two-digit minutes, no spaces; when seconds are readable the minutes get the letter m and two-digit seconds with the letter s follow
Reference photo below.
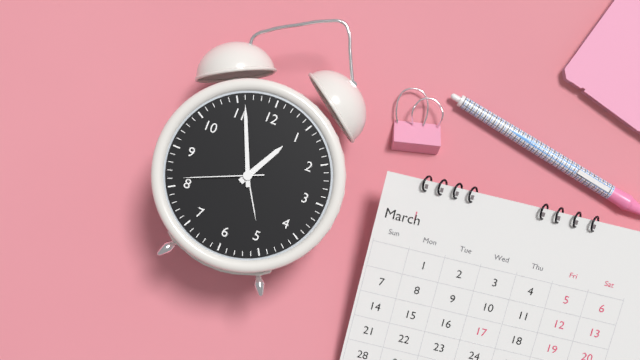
12h56m41s
